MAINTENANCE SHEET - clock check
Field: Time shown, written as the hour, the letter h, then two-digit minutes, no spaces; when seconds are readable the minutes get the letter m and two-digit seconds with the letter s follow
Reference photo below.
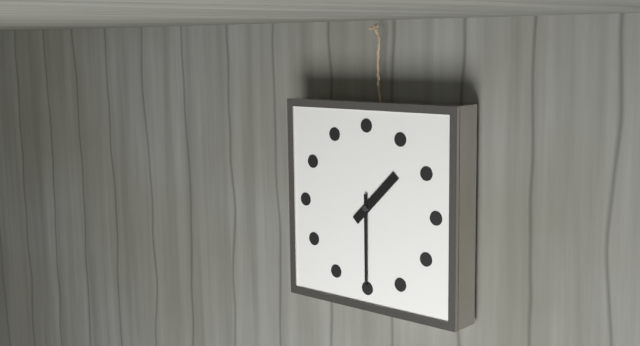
1h30
